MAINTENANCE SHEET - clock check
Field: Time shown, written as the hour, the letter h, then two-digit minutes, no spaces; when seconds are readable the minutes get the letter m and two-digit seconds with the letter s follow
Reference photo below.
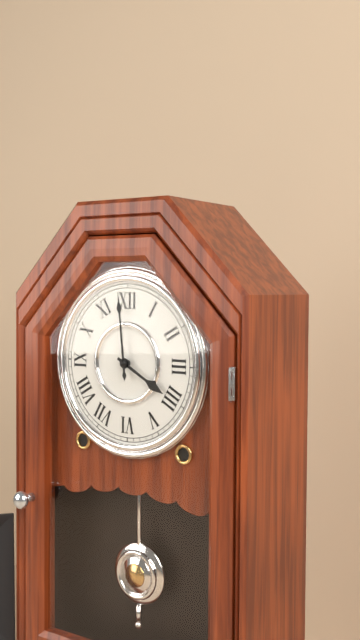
3h59
